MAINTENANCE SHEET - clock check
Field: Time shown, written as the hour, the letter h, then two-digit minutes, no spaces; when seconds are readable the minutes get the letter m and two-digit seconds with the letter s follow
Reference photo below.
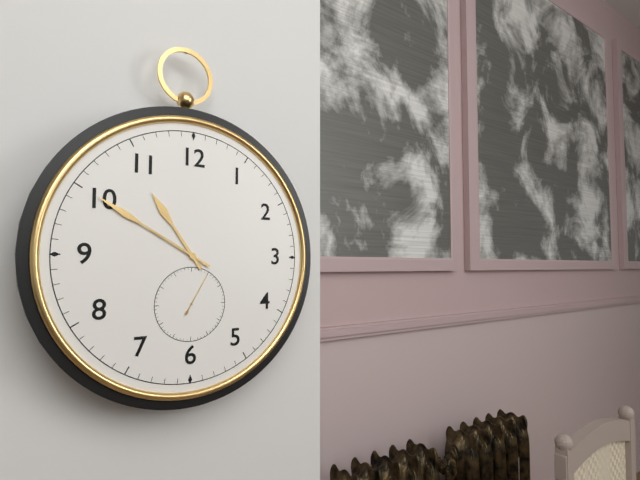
10h50m05s
